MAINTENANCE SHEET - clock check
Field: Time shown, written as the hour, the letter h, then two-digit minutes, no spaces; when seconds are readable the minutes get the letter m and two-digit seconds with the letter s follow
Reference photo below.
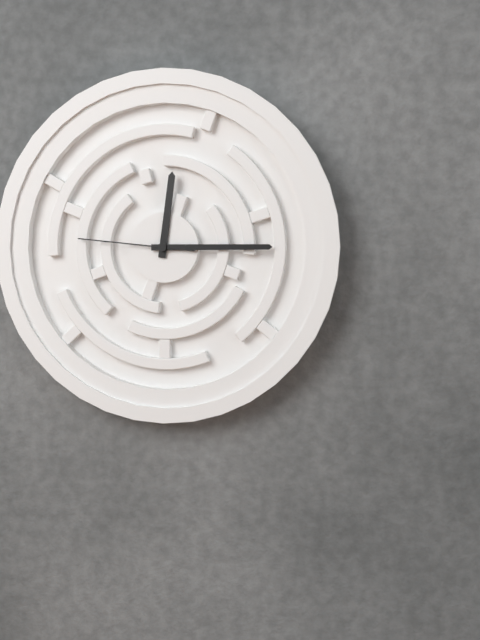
12h15m46s
